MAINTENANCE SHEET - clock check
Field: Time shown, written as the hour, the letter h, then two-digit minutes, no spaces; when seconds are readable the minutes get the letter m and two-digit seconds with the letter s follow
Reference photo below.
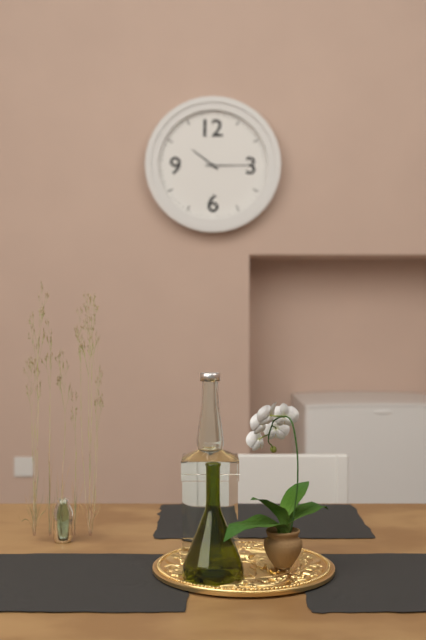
10h15
